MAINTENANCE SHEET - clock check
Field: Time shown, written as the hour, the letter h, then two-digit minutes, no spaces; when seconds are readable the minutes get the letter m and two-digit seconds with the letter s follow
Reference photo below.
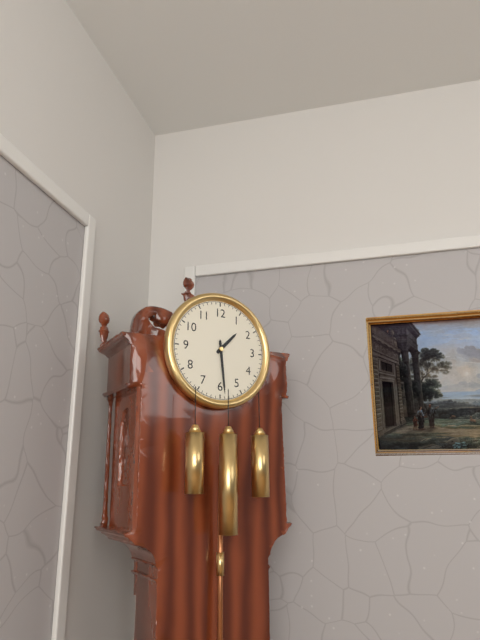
1h29
